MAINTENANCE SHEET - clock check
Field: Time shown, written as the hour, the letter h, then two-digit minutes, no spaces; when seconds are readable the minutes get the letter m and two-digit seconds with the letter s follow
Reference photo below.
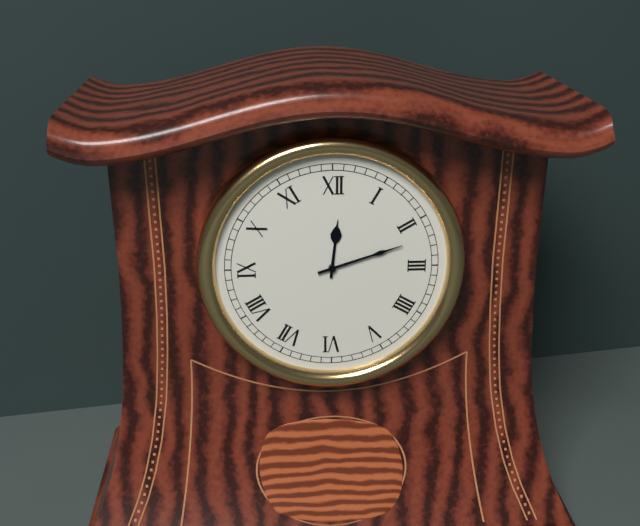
12h12
